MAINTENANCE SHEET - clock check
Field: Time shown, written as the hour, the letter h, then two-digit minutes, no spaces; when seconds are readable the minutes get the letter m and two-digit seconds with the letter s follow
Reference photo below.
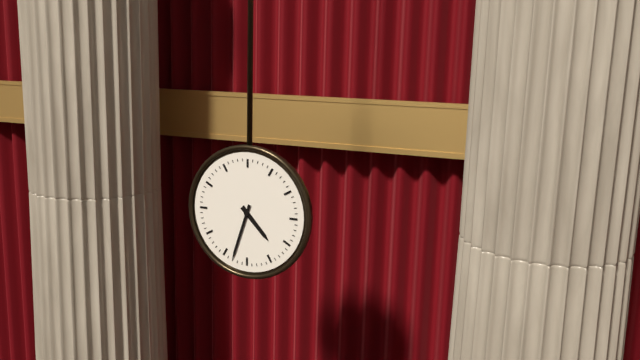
4h33
